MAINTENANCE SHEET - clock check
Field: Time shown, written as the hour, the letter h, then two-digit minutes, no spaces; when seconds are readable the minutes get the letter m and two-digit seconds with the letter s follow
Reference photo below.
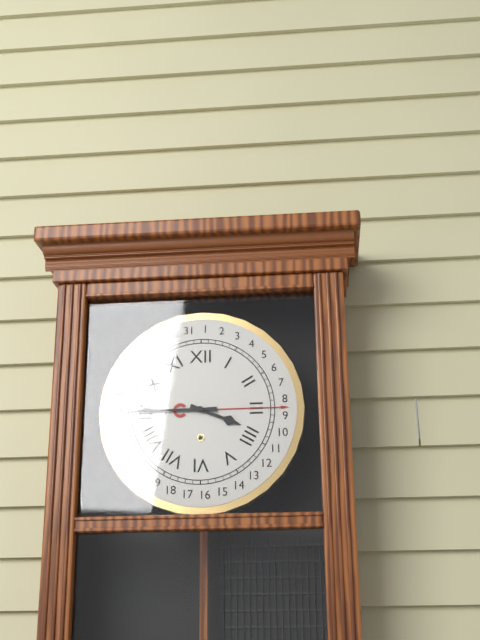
3h45
